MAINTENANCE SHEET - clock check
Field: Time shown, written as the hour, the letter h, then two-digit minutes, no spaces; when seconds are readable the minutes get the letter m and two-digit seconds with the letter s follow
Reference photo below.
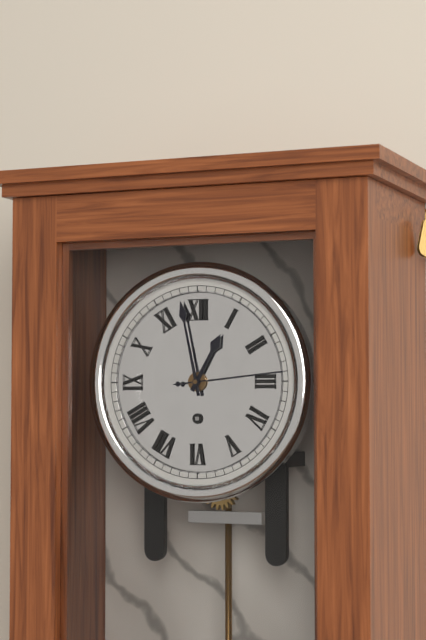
12h58m14s
